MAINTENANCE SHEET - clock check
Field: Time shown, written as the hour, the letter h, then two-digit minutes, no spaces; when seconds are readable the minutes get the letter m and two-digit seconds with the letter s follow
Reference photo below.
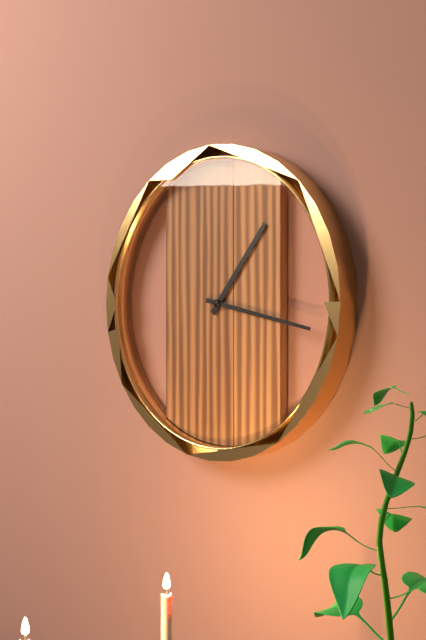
1h17
